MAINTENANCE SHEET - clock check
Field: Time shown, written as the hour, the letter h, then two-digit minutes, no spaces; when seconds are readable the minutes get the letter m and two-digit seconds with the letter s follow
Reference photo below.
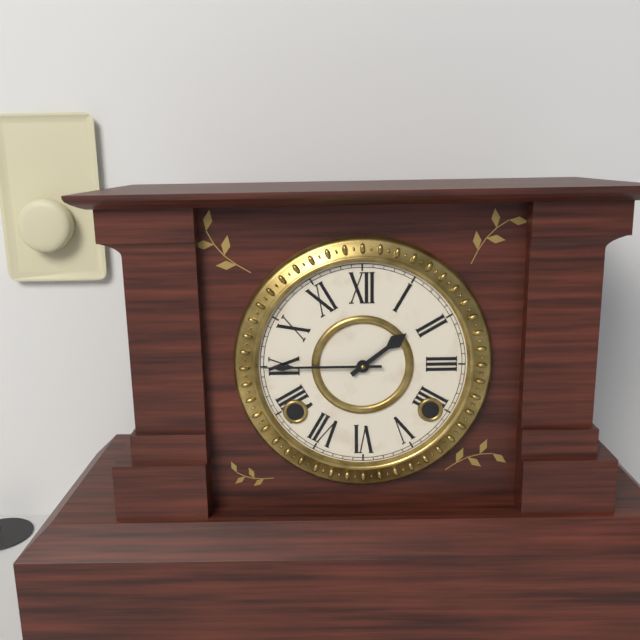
1h45
